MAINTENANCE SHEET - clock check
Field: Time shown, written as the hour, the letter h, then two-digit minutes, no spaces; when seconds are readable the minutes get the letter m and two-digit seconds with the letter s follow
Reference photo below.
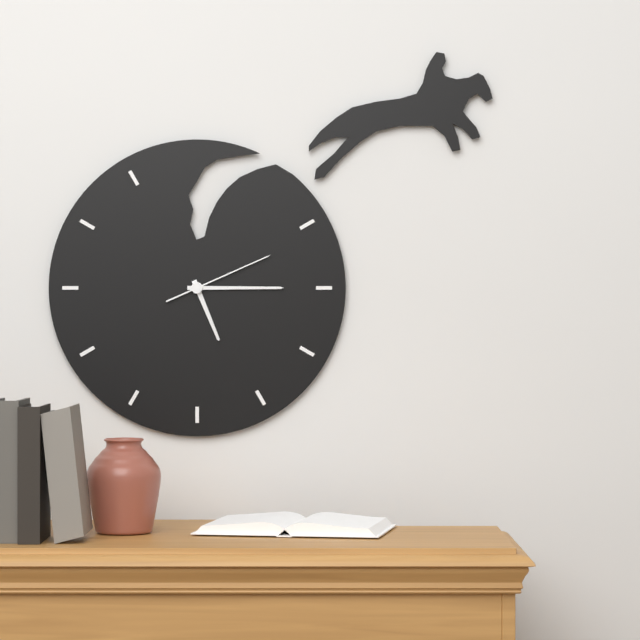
5h15m11s
